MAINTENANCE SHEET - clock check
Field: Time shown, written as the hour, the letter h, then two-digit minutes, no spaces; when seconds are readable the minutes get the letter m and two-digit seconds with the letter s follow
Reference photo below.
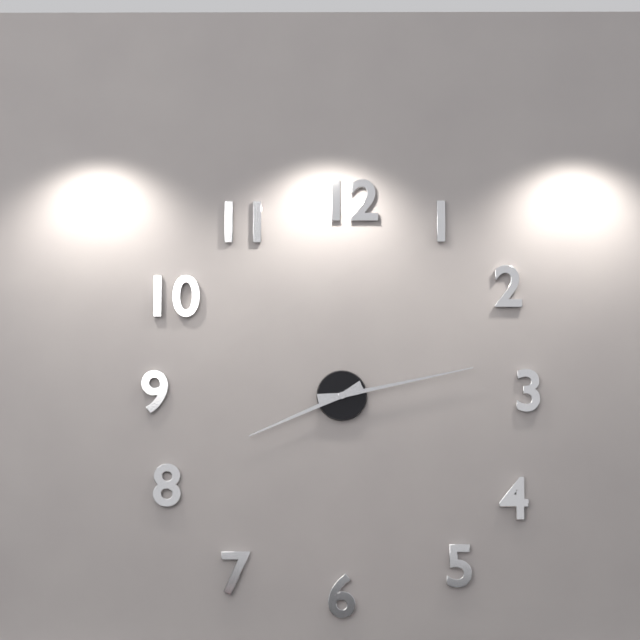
8h13
